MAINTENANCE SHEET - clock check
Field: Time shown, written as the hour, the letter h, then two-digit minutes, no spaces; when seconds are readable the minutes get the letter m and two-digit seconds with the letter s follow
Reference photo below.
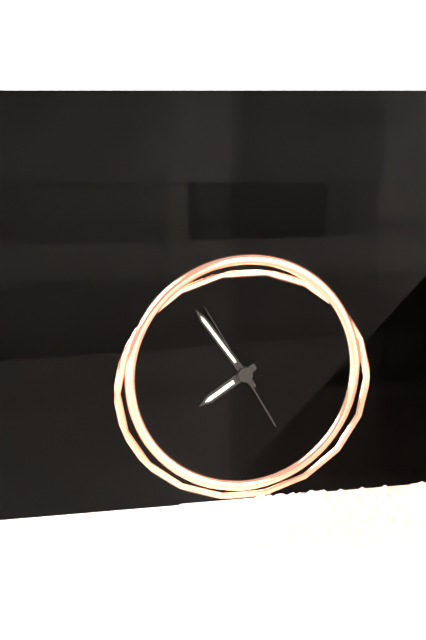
7h54m55s
